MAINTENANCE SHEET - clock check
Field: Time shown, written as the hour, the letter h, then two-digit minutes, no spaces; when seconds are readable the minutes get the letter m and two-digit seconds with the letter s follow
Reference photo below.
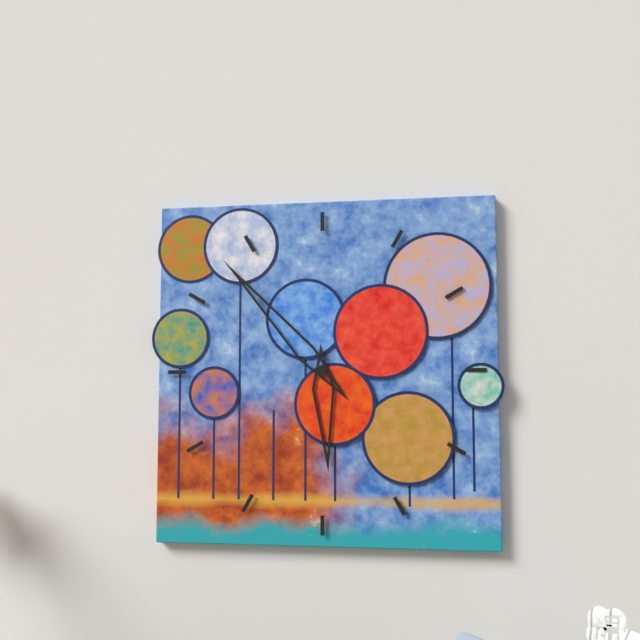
5h53
